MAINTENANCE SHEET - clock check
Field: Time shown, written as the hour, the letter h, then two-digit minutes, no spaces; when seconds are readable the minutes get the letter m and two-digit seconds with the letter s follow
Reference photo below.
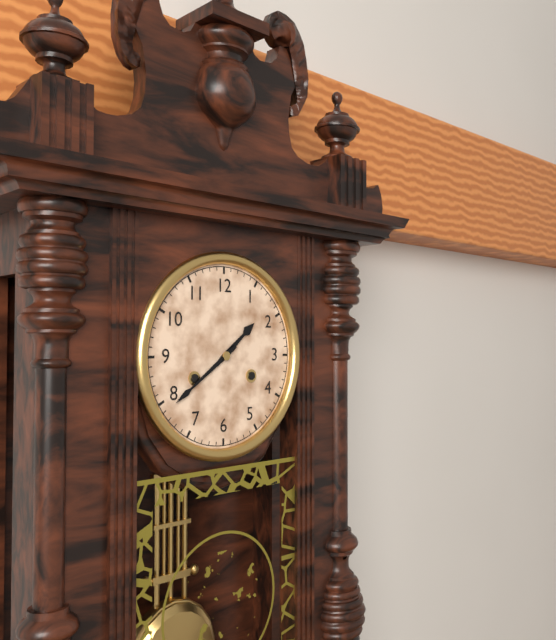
1h39
